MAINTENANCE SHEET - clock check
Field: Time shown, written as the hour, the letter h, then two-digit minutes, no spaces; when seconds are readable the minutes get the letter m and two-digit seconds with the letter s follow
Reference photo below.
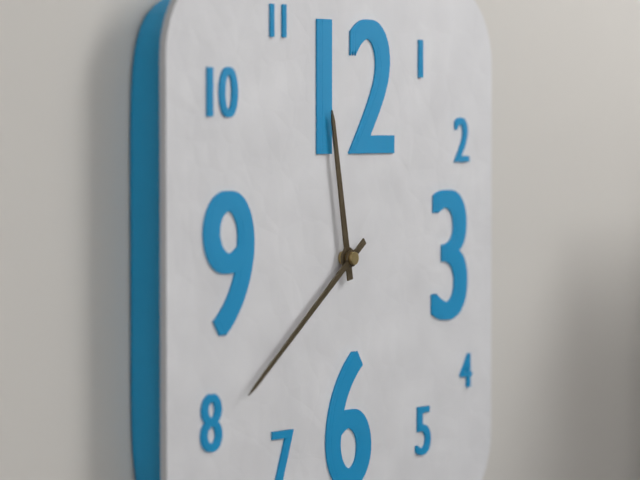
11h39
